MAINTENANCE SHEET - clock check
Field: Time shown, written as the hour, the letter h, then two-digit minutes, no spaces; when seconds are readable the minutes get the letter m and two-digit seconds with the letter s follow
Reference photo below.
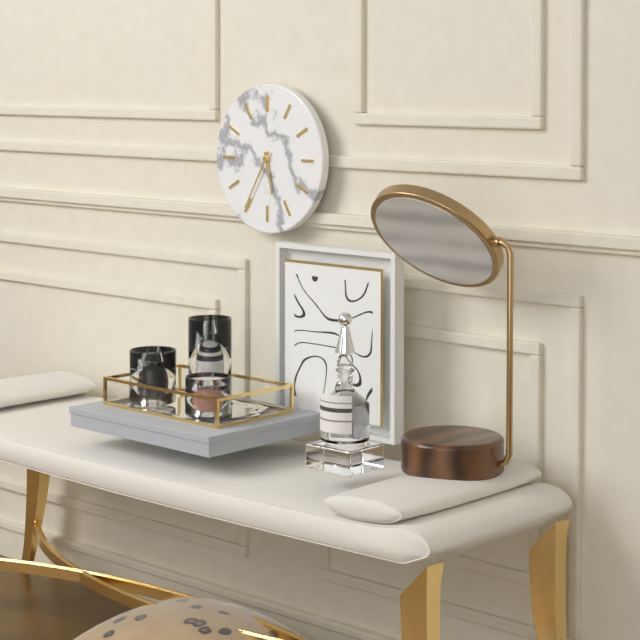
5h35
